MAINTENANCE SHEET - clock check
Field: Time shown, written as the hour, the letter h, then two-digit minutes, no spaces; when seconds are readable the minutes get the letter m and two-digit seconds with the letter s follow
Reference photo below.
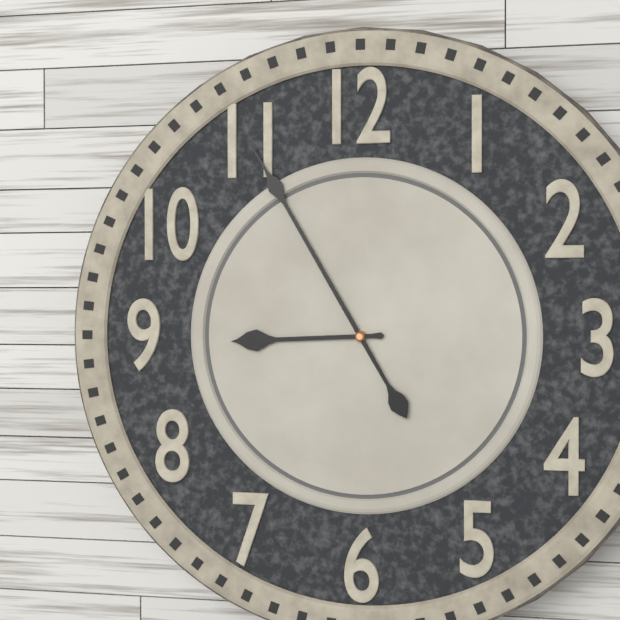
8h55
